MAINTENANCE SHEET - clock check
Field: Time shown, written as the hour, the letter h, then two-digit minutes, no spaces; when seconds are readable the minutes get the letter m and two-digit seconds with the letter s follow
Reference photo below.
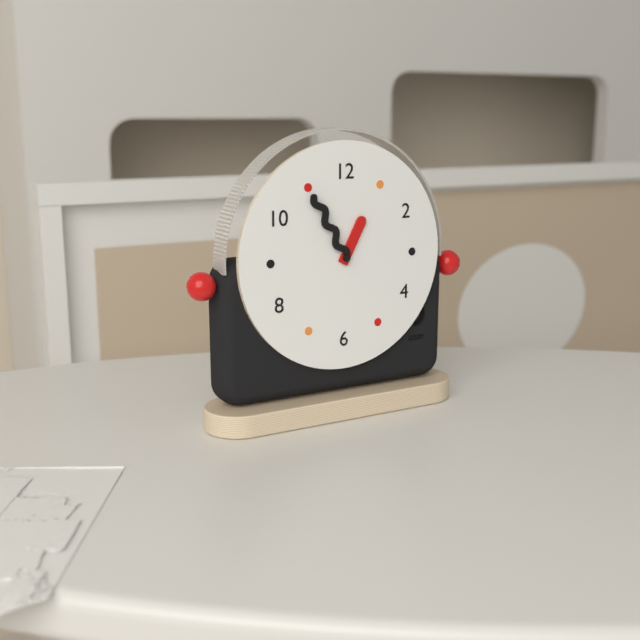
12h55
